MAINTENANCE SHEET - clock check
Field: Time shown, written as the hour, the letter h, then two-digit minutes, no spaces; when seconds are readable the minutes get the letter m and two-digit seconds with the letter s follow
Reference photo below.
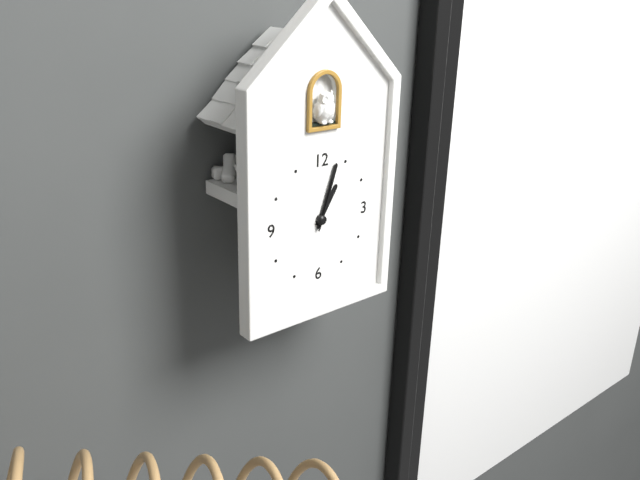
1h03m03s
